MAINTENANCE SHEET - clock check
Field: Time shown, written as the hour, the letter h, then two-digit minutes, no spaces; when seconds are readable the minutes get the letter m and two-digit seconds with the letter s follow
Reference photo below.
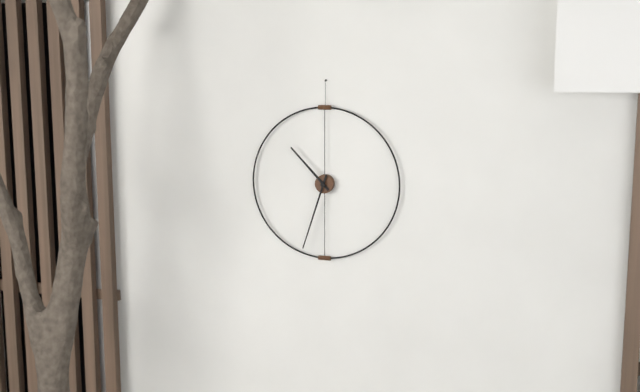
10h33
